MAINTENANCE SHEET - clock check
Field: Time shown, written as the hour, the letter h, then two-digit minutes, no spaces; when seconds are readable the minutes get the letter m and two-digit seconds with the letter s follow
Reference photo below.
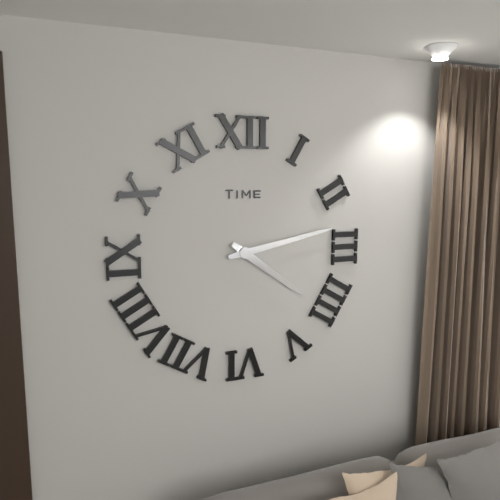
4h13
